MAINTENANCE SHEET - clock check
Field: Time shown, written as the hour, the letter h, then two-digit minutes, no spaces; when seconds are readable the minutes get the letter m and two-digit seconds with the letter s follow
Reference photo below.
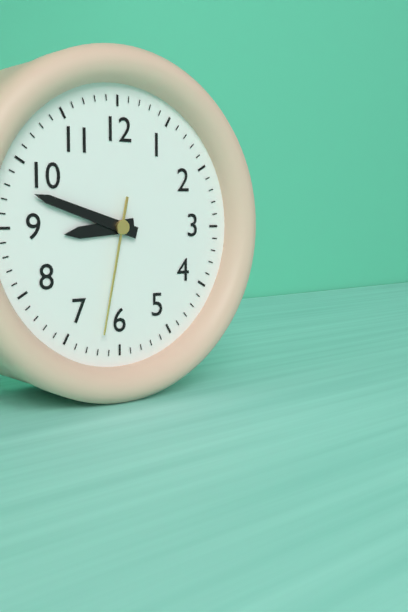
8h48m32s
